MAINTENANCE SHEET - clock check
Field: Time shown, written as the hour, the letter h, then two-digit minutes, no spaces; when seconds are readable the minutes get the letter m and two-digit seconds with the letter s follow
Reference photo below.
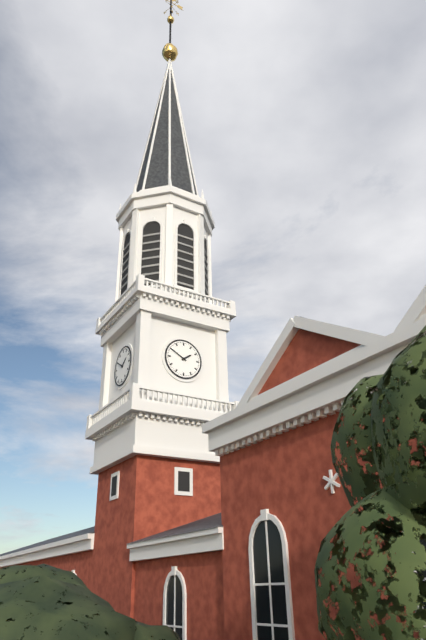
1h50
